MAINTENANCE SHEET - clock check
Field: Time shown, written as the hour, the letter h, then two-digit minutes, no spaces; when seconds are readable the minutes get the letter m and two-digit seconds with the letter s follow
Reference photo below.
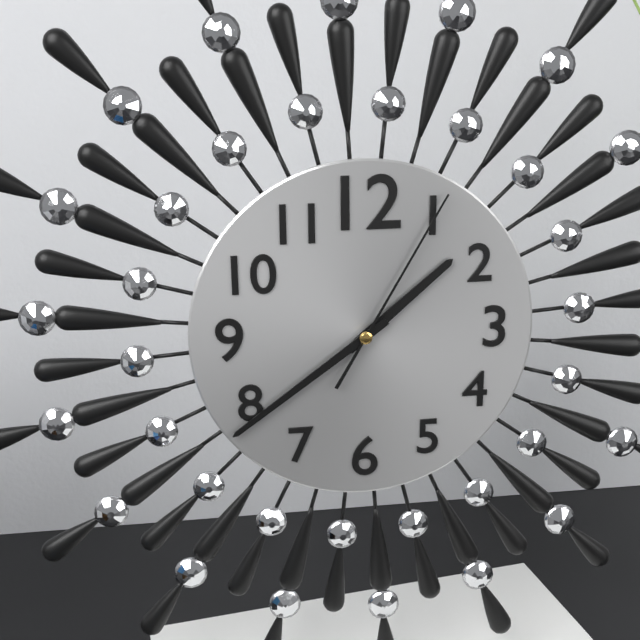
1h39m05s
